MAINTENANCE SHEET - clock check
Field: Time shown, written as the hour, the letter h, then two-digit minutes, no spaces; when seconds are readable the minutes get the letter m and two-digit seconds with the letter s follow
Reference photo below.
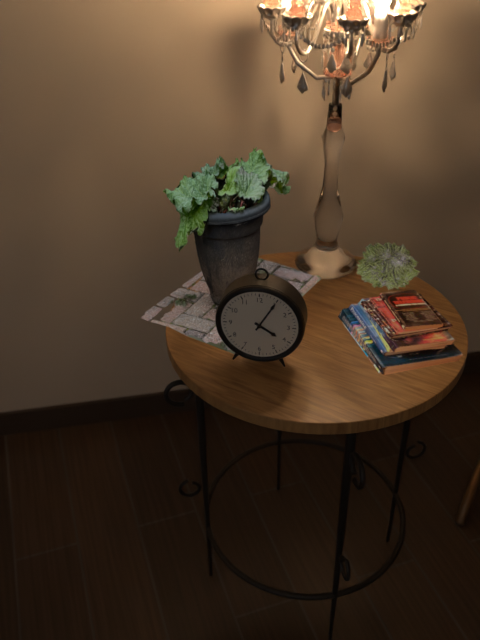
4h05
